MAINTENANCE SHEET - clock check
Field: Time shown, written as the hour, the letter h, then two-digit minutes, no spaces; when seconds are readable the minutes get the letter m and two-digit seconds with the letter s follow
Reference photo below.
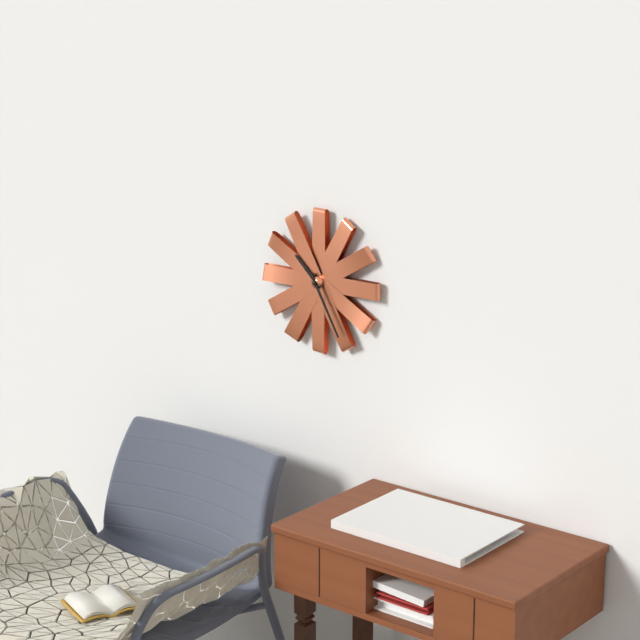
10h25
